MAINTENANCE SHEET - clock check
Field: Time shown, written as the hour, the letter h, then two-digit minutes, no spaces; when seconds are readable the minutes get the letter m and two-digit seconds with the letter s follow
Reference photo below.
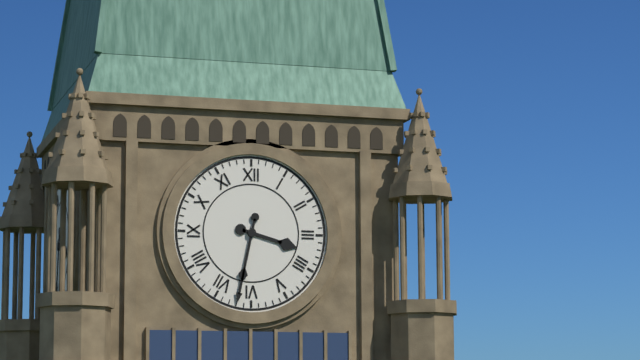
3h32
